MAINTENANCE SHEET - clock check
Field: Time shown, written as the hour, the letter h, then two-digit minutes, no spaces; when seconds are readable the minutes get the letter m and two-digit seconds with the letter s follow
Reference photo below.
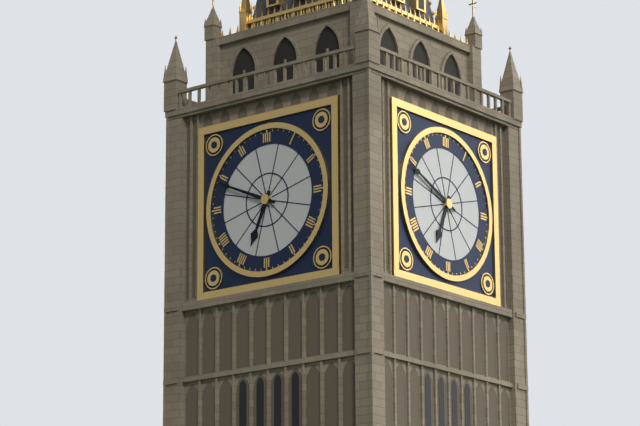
6h49
